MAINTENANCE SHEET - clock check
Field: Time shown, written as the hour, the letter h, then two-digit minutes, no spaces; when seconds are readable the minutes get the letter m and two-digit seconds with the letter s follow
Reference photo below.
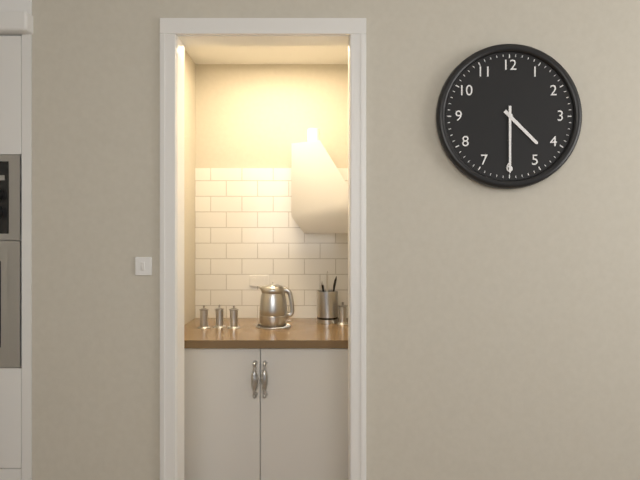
4h30
